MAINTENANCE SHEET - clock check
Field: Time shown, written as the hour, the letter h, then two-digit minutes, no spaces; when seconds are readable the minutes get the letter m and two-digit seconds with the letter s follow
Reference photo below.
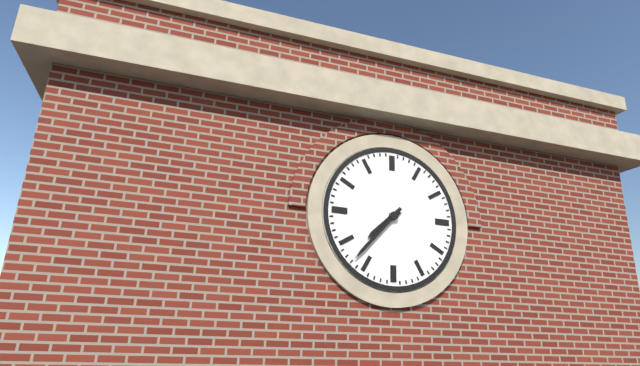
7h37
